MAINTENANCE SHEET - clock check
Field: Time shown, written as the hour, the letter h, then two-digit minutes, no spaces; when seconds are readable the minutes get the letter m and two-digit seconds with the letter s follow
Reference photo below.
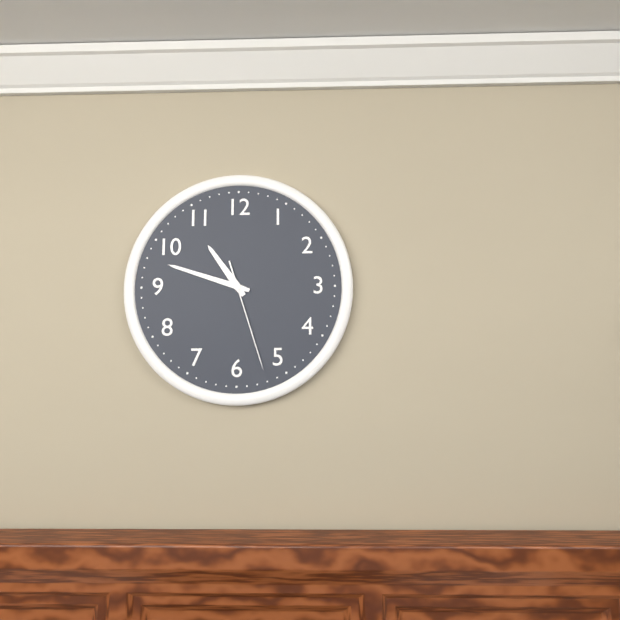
10h48m27s
